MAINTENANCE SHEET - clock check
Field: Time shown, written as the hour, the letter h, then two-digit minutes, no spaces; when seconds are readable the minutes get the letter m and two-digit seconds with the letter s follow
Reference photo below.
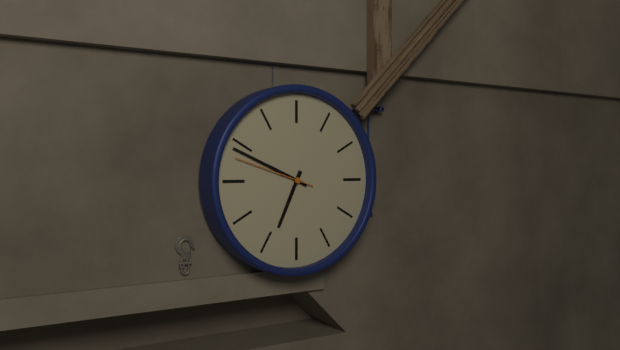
6h49m48s
